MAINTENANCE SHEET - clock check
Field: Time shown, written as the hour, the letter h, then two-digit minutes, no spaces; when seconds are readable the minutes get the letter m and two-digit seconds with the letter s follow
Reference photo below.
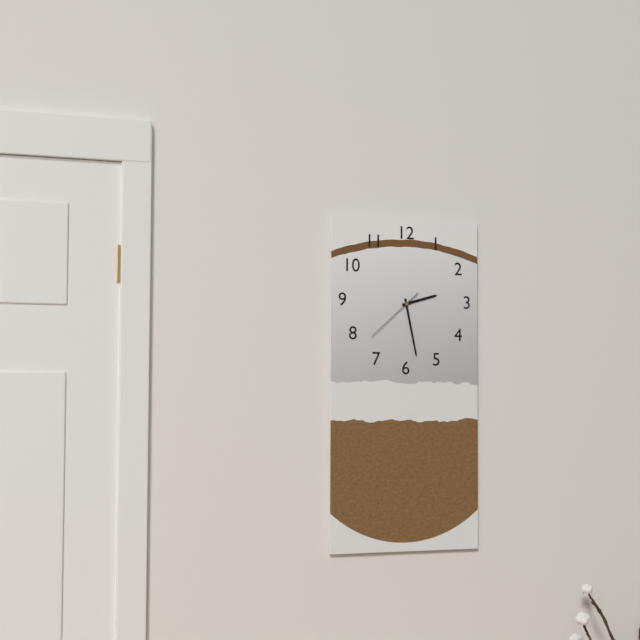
2h28m38s
